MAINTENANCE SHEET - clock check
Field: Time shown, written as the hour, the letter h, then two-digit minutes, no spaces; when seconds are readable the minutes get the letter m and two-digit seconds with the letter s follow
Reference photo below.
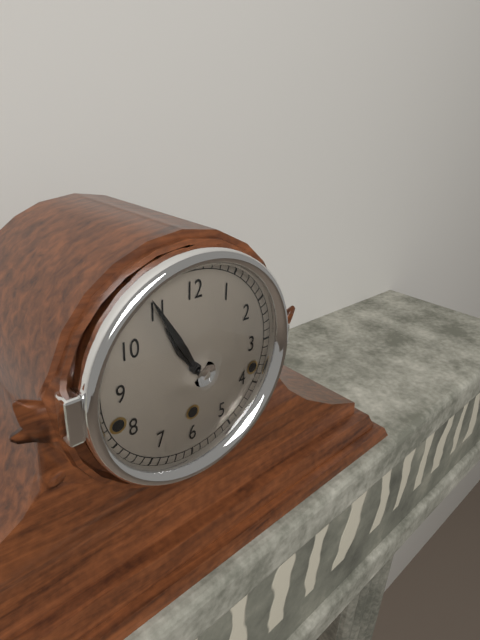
10h55
